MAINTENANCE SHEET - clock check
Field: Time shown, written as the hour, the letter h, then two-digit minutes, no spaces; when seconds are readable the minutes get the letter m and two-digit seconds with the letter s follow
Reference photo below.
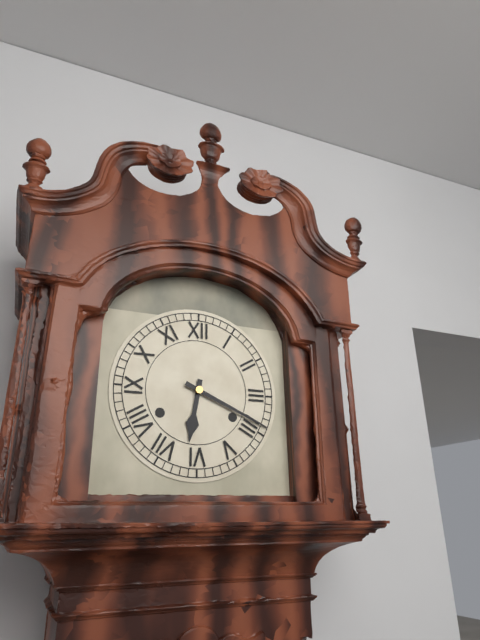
6h19
